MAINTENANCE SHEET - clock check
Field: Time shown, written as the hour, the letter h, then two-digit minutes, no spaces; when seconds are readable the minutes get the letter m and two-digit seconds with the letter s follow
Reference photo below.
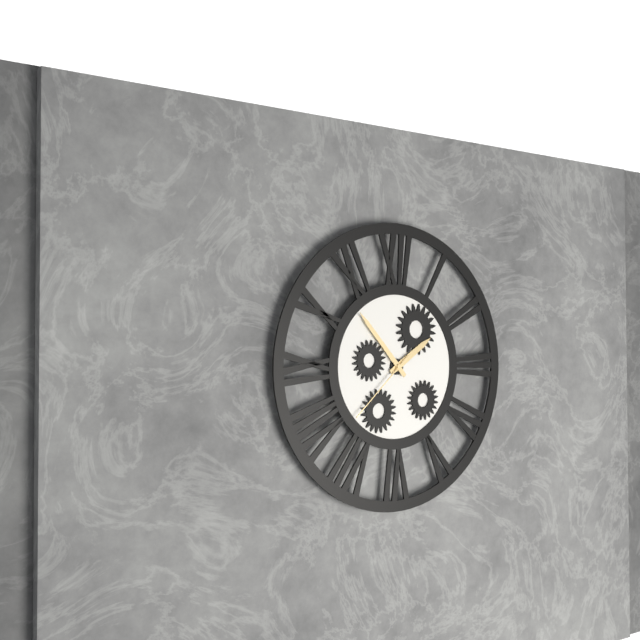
1h53m38s
